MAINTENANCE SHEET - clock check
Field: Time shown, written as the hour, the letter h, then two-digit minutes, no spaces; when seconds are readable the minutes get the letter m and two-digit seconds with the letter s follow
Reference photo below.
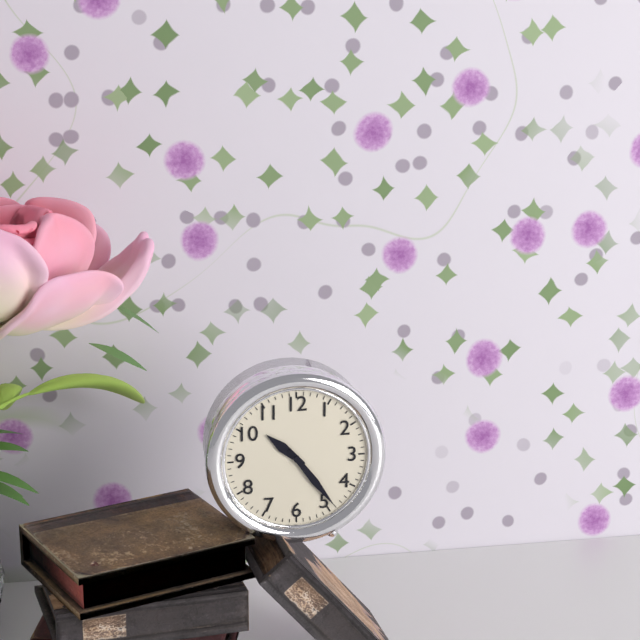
10h24
